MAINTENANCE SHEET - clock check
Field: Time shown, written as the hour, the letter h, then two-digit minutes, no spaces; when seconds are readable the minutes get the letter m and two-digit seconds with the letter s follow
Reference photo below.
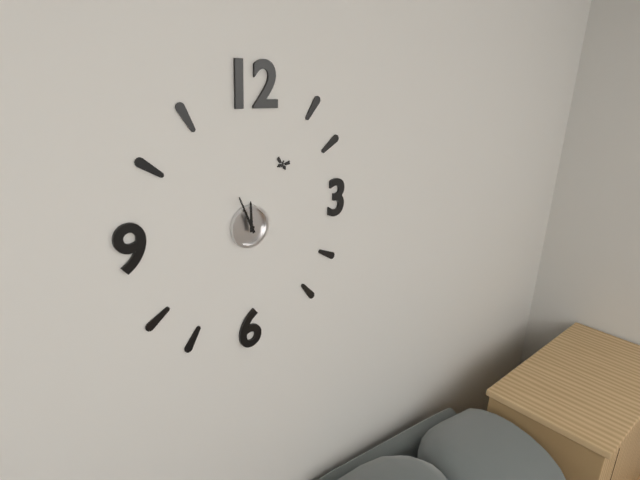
11h56
